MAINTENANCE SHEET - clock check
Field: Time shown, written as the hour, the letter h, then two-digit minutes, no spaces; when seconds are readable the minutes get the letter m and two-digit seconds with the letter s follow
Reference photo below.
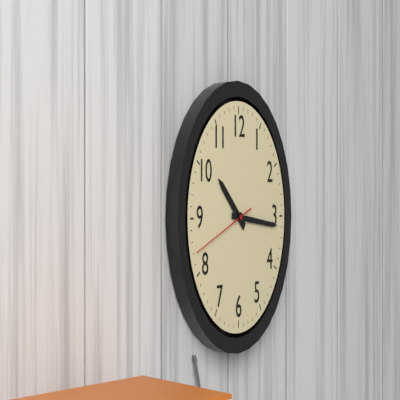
10h16m42s
